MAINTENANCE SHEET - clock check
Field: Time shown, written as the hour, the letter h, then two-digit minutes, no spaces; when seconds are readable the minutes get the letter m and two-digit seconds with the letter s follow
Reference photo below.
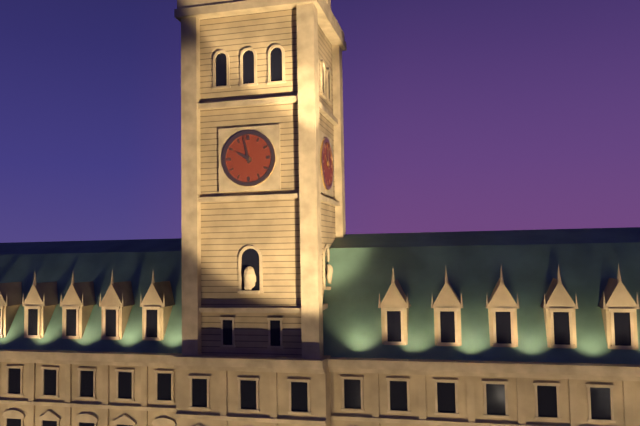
9h58
